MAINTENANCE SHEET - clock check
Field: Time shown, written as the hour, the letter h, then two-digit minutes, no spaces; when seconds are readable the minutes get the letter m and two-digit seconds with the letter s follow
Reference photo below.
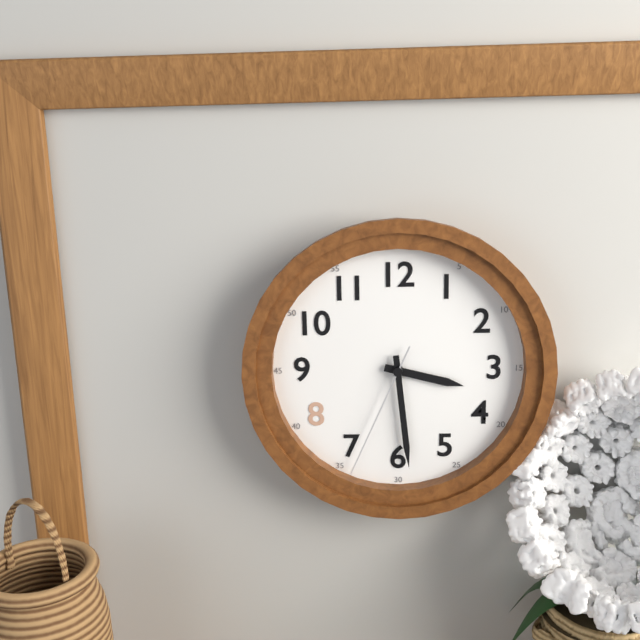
3h29m34s
